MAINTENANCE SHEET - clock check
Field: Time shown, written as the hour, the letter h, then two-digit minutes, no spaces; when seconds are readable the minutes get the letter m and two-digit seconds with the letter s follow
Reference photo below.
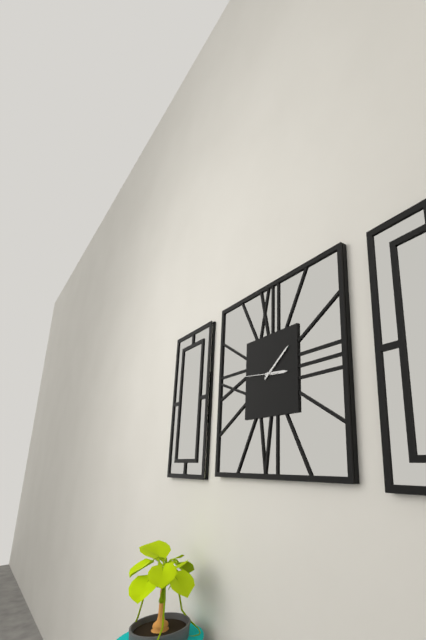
3h09
